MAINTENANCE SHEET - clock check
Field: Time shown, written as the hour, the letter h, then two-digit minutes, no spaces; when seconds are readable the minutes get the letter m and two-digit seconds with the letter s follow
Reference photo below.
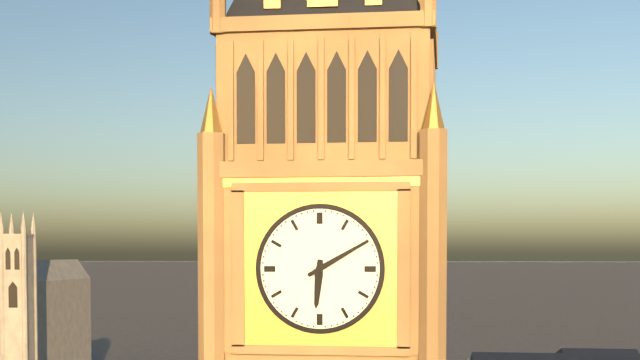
6h10
